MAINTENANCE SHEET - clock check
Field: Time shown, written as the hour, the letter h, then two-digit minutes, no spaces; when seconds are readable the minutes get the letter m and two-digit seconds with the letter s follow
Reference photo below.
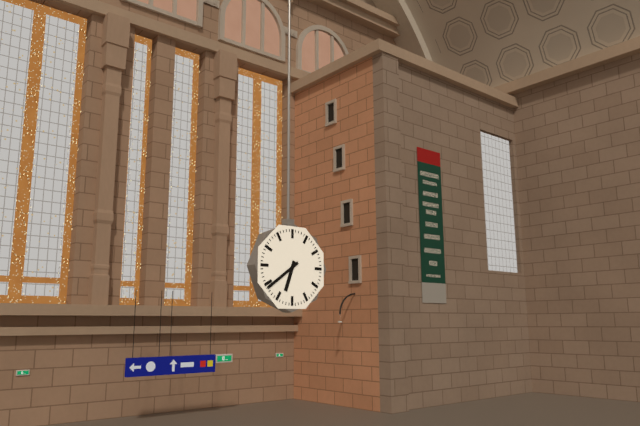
6h39
